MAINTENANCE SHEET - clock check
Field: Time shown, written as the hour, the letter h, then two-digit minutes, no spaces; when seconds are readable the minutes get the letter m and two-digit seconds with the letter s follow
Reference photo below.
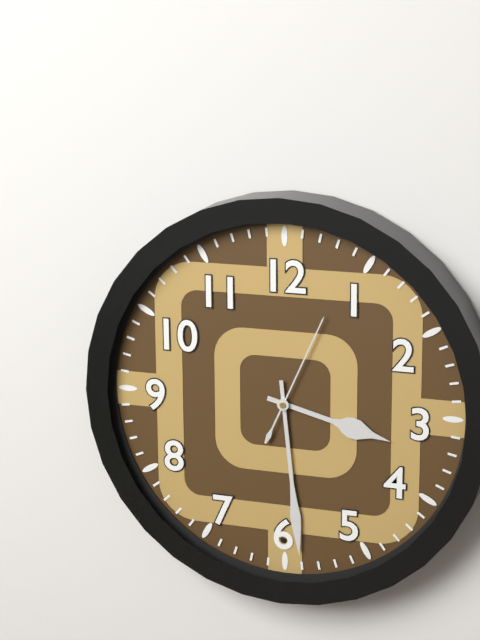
3h29m04s
